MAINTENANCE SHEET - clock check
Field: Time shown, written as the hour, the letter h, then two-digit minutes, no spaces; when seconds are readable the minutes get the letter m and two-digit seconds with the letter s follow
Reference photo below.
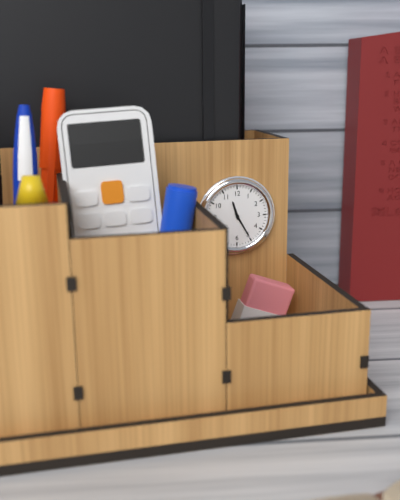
11h25
